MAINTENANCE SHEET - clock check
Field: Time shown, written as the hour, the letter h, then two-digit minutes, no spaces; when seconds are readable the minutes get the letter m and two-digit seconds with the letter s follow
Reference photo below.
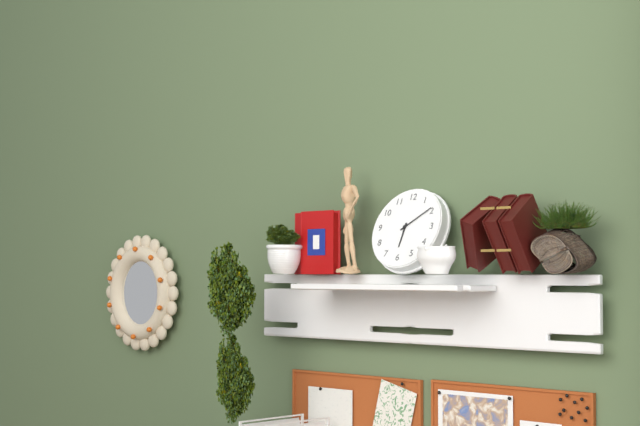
6h09
